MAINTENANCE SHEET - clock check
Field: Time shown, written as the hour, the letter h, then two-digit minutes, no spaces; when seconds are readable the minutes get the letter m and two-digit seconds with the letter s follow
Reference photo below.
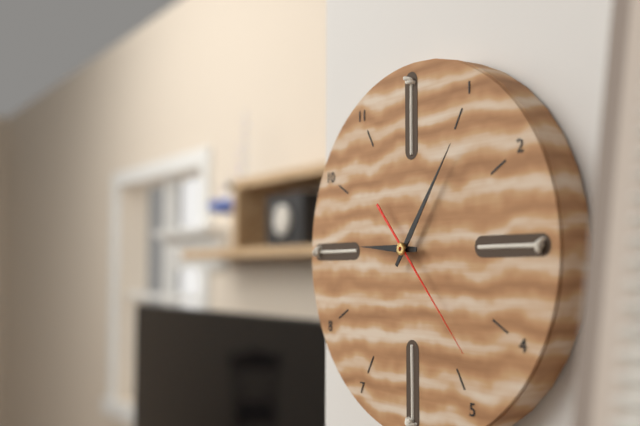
9h06m23s
